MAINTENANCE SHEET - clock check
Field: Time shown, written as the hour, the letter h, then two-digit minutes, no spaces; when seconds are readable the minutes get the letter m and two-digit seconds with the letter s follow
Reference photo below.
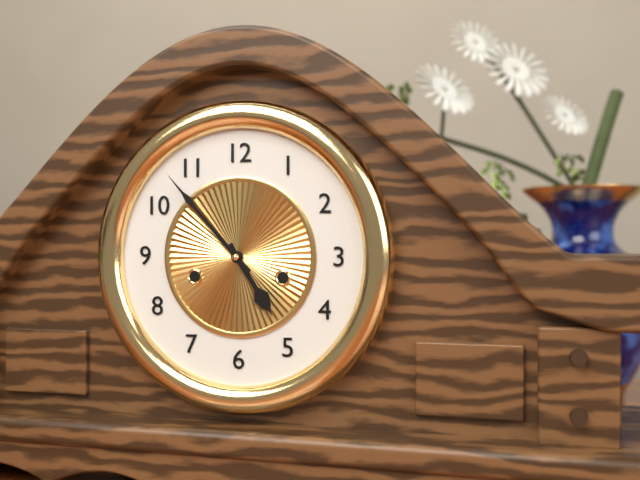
4h53
